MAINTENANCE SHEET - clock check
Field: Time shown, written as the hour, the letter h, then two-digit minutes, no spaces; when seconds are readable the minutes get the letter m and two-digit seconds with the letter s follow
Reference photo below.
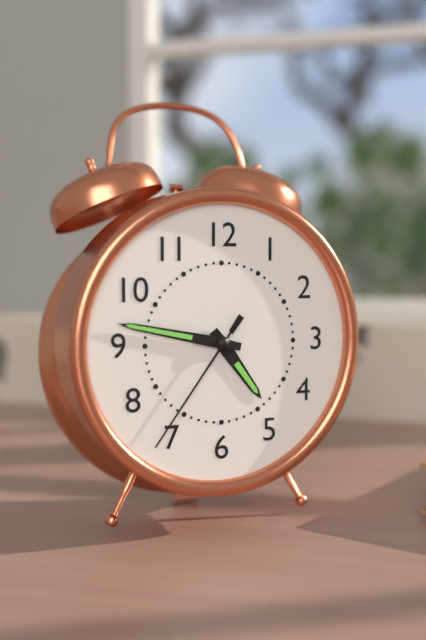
4h47m36s
